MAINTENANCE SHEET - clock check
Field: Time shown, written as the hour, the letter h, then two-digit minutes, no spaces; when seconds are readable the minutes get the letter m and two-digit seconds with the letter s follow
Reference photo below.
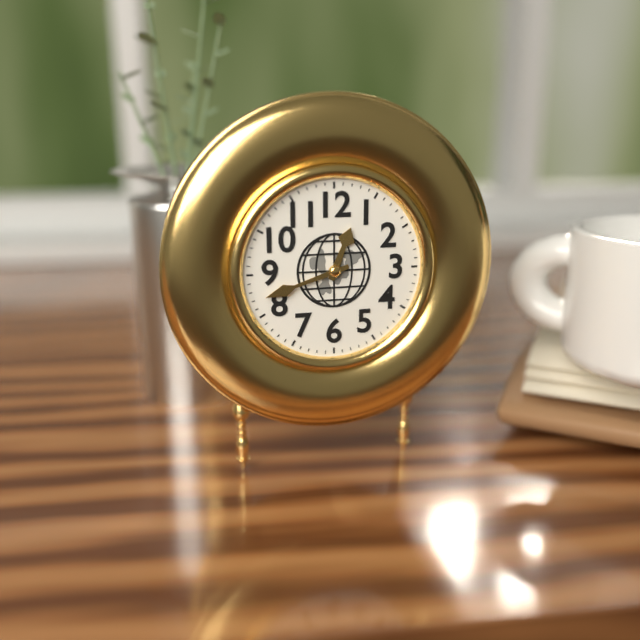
12h42
